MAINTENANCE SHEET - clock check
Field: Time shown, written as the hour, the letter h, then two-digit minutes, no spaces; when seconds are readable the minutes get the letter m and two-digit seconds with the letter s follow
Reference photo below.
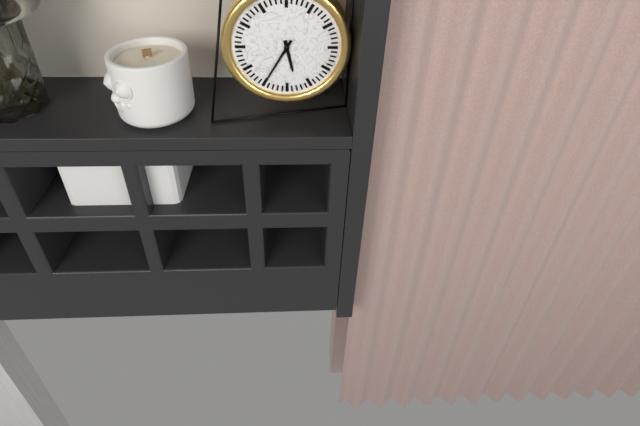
5h35
